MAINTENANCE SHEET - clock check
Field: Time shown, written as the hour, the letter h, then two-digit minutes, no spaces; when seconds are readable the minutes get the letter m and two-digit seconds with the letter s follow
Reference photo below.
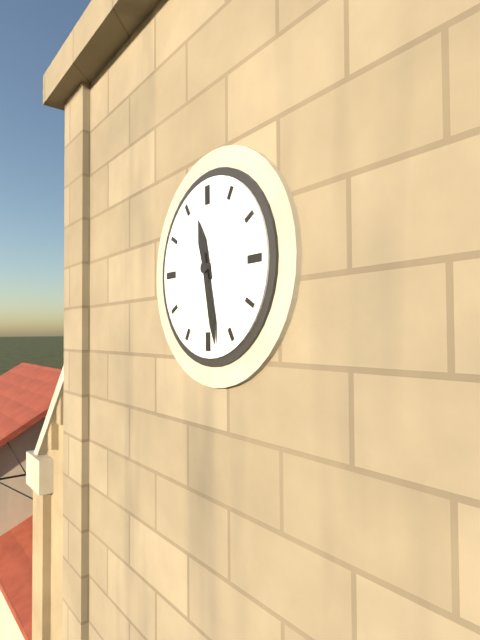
11h28
